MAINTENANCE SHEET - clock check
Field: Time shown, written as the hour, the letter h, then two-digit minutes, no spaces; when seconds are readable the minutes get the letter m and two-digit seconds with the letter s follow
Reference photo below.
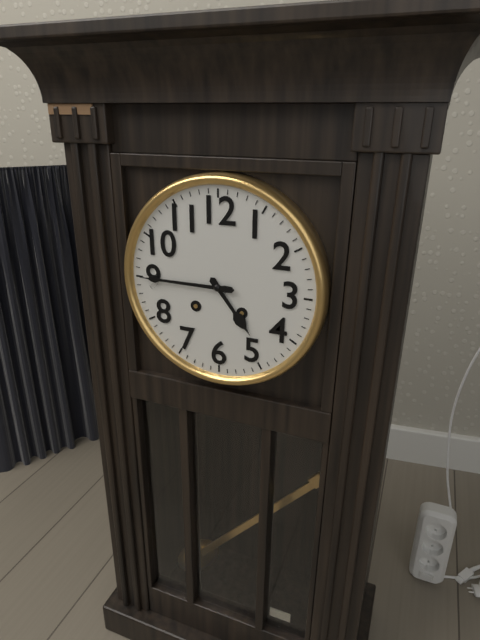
4h45
